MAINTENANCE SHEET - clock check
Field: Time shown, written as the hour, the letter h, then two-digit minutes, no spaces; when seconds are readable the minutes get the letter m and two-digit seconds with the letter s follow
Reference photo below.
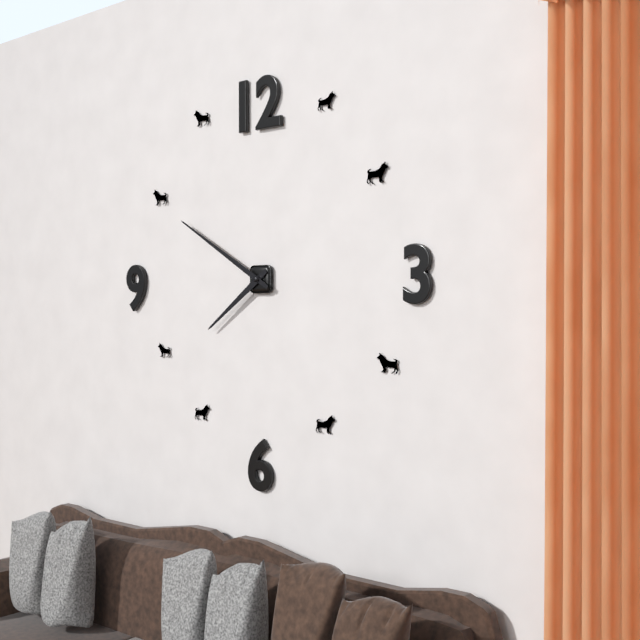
7h50
